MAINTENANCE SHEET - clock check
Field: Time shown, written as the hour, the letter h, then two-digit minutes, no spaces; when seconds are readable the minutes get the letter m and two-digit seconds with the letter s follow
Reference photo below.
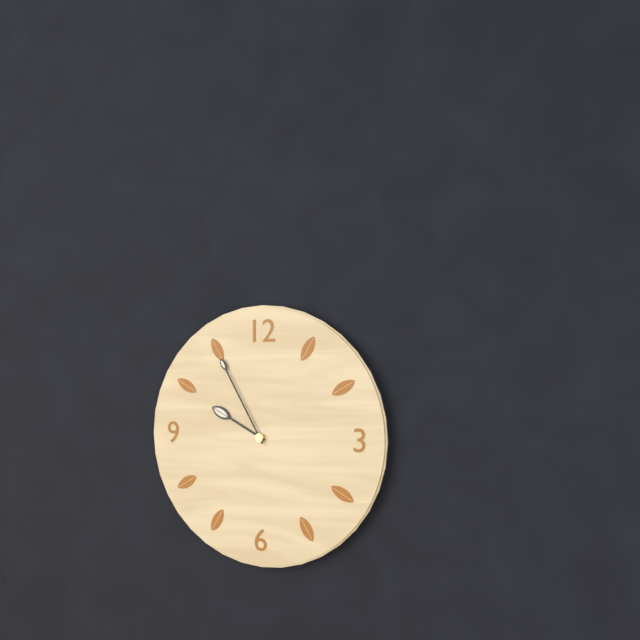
9h55
